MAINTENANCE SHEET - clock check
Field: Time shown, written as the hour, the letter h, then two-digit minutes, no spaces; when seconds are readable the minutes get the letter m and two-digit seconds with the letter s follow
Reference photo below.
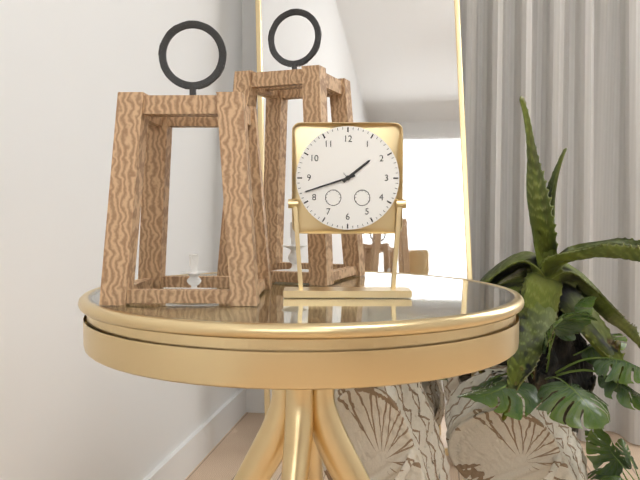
1h42
